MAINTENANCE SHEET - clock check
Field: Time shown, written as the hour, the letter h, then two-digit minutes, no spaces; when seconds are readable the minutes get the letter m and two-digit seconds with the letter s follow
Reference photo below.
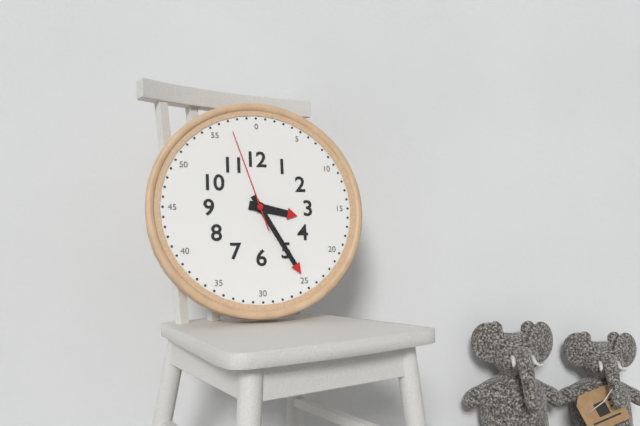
3h25m57s
